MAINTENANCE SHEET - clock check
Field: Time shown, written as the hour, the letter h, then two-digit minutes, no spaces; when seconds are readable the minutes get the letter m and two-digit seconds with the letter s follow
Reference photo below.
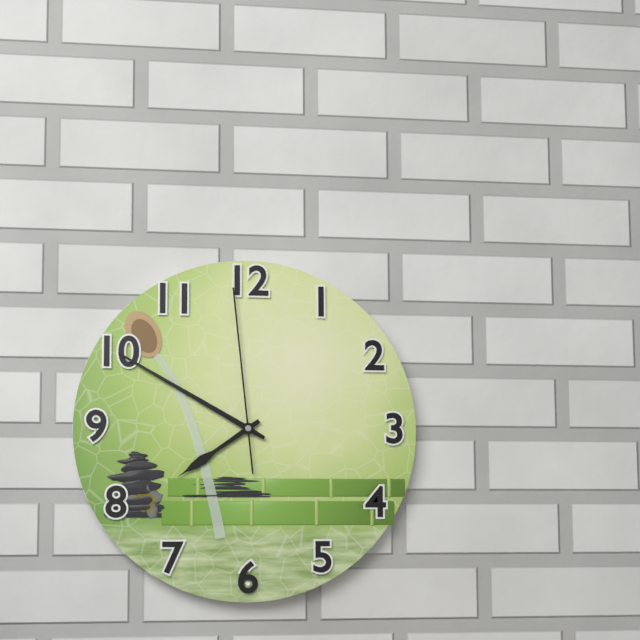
7h50m59s
